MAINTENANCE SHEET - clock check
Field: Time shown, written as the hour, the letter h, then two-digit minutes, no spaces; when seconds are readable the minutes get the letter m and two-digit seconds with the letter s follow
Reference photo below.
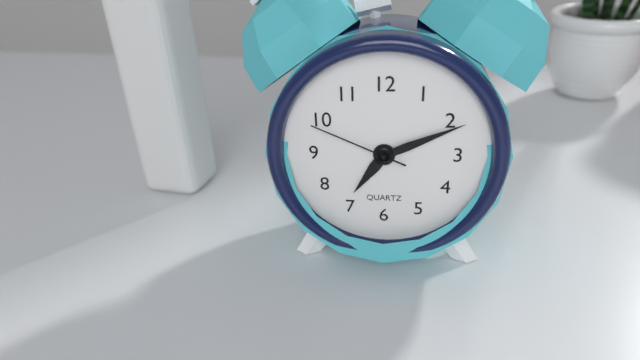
7h11m49s
